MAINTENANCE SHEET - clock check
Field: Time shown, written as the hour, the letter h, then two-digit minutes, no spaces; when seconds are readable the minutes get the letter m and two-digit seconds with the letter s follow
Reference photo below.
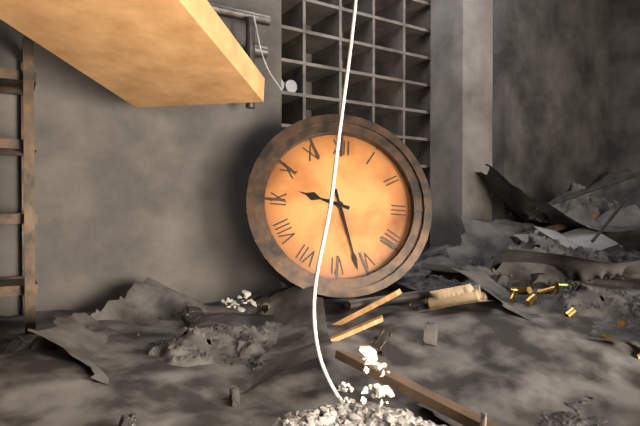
9h27
